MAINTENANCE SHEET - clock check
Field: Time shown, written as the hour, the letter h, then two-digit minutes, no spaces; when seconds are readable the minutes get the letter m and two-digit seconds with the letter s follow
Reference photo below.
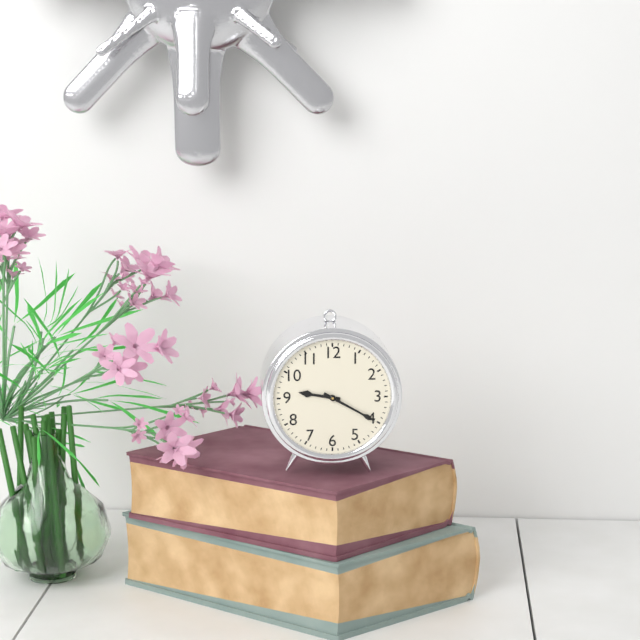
9h20
